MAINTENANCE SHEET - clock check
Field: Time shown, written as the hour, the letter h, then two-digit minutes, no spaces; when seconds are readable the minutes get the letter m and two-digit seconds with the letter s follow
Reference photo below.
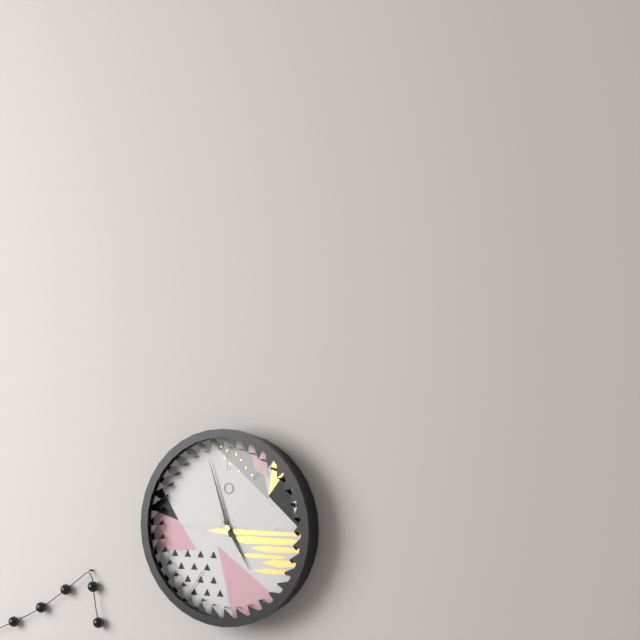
4h57
